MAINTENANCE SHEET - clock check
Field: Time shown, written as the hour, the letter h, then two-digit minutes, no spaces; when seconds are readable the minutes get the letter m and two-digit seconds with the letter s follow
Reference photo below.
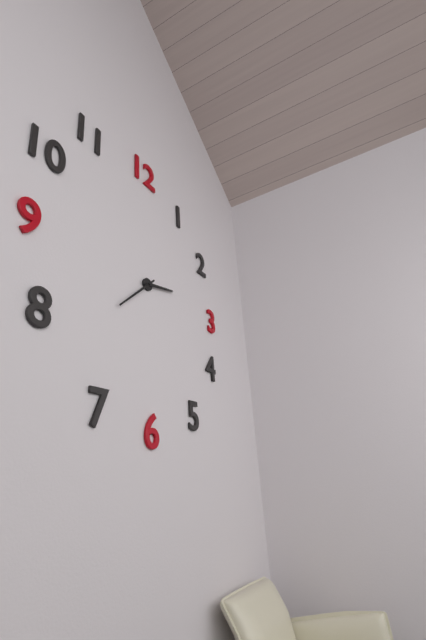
2h38
